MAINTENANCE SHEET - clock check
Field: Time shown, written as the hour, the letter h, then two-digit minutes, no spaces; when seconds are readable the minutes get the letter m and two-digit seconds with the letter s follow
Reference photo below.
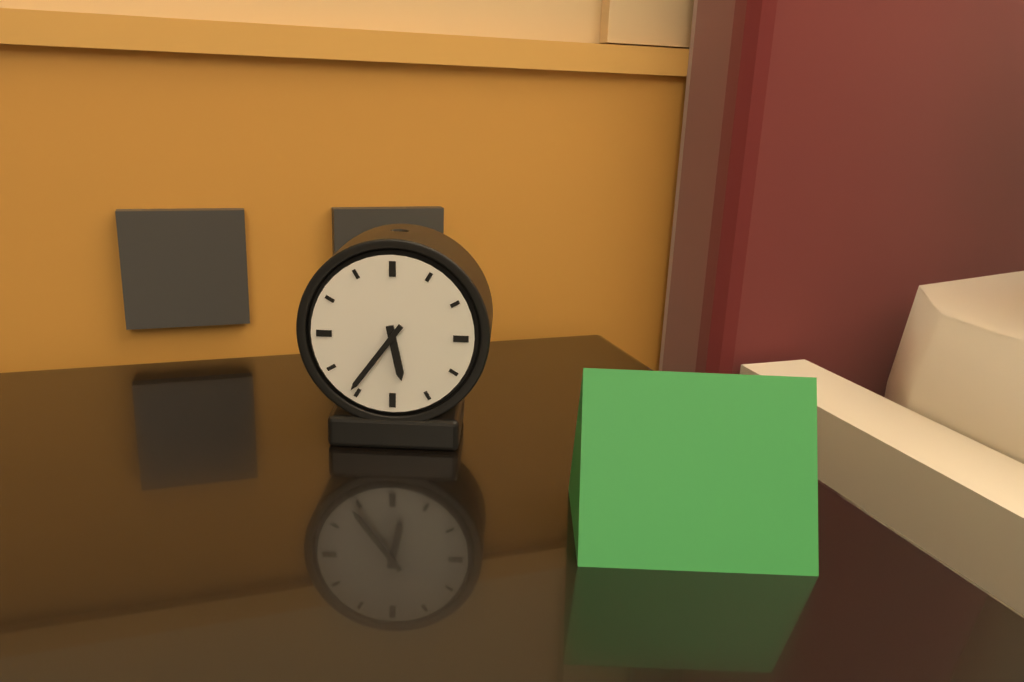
5h36
